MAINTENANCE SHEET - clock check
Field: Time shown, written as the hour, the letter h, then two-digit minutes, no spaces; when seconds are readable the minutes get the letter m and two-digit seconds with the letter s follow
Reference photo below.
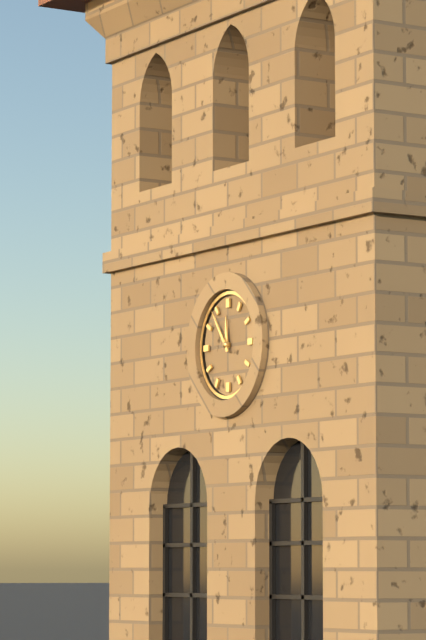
11h54
